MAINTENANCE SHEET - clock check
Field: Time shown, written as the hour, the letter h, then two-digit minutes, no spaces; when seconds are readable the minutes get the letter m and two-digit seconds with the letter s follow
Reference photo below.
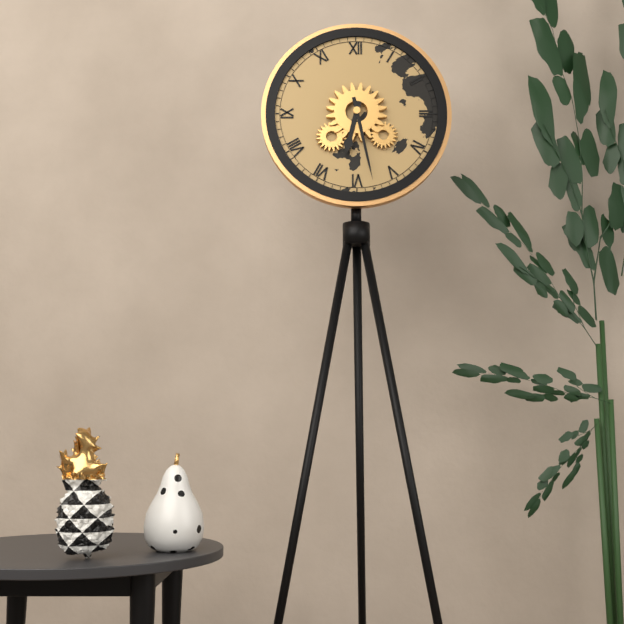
6h28
